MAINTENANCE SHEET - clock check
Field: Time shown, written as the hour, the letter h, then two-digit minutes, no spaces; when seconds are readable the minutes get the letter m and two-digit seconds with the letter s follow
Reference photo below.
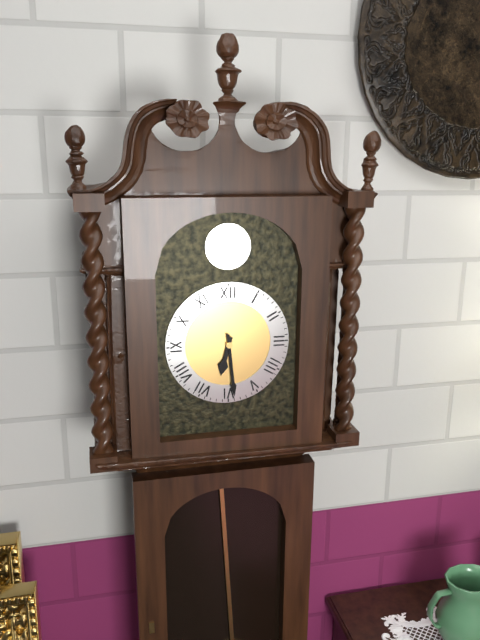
6h29
